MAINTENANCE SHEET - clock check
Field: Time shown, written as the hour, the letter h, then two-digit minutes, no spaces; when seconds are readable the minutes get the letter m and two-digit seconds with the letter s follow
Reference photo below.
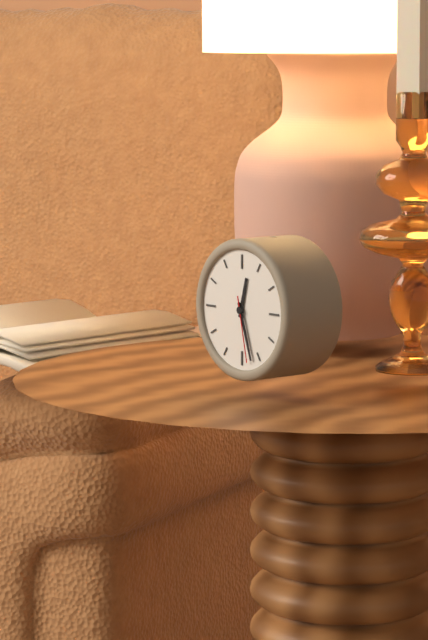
12h27m28s
